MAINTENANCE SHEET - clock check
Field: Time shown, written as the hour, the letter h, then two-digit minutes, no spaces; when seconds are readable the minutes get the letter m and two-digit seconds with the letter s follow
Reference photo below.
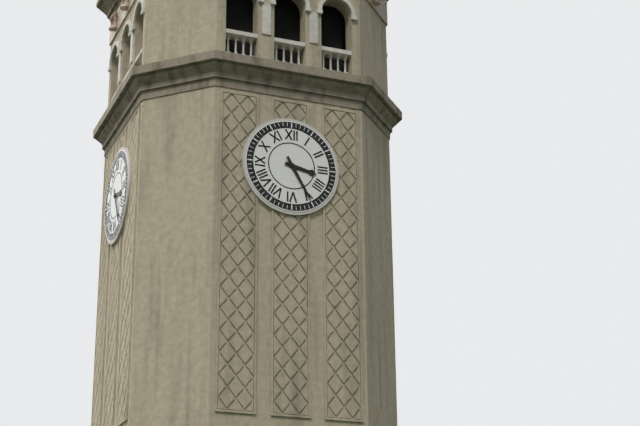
3h25
